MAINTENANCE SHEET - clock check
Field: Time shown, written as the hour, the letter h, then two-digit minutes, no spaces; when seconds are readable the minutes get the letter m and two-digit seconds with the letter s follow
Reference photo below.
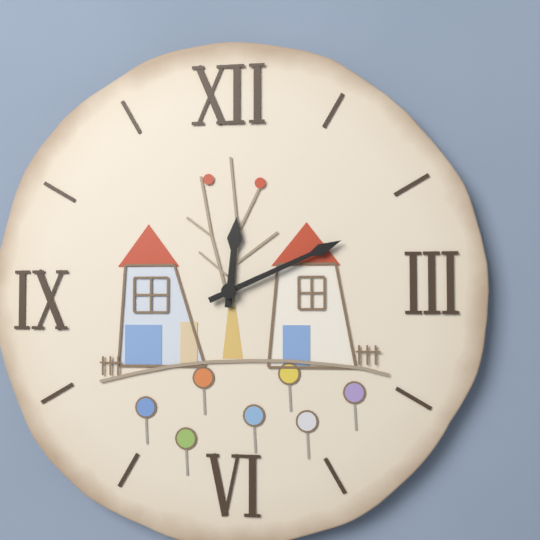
12h11
